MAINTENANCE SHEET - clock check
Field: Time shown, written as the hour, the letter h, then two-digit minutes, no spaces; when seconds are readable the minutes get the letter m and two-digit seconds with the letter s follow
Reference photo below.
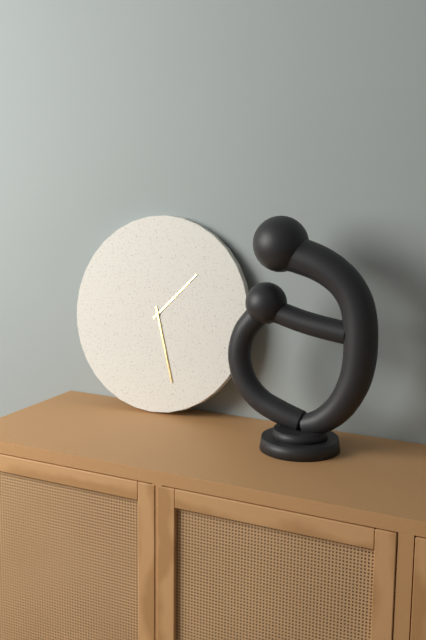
1h27
